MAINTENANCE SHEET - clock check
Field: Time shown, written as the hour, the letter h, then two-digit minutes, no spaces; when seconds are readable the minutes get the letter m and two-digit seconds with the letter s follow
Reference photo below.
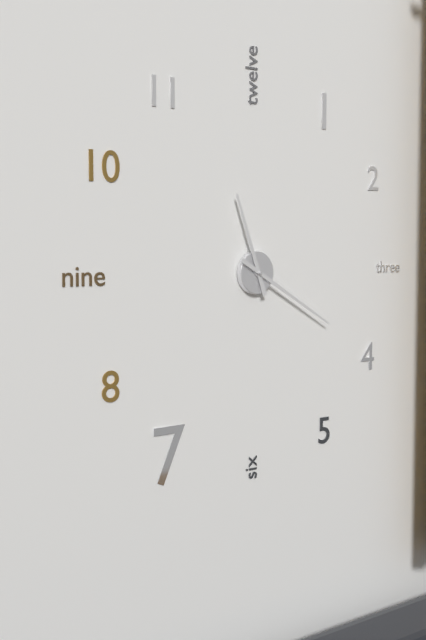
11h20
